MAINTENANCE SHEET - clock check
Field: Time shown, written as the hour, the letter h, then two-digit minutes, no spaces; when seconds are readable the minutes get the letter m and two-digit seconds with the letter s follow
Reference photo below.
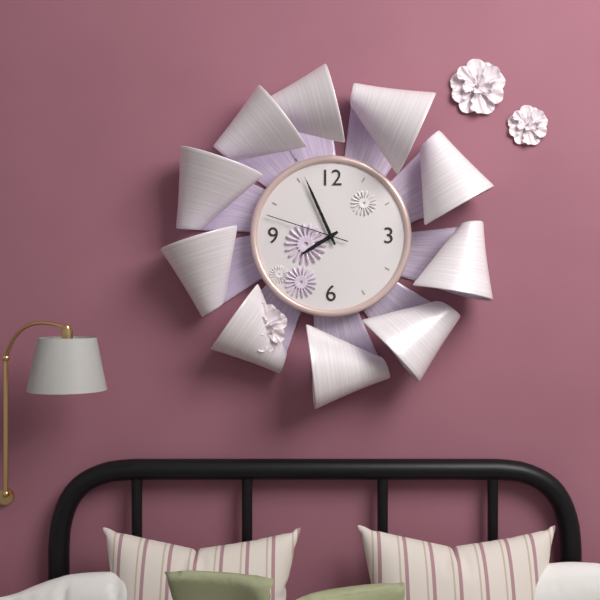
7h56m48s
